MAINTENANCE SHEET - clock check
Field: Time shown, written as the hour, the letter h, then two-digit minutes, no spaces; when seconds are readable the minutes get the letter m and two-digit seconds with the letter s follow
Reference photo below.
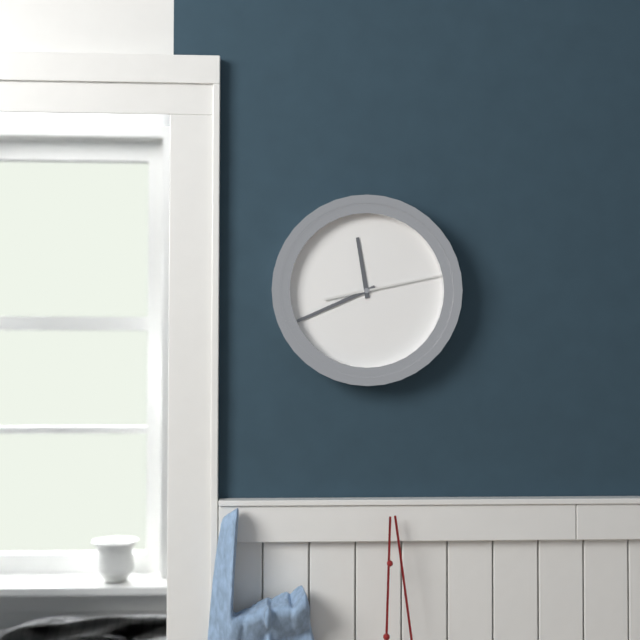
11h41m13s
